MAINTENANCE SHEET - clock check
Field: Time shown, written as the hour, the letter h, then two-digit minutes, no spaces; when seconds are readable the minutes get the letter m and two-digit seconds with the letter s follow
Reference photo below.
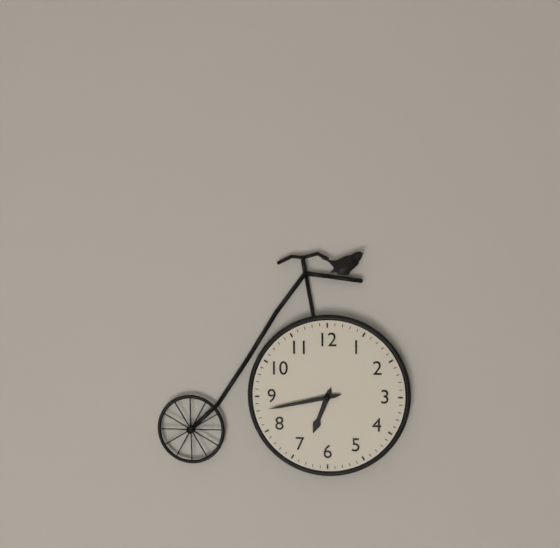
6h43
